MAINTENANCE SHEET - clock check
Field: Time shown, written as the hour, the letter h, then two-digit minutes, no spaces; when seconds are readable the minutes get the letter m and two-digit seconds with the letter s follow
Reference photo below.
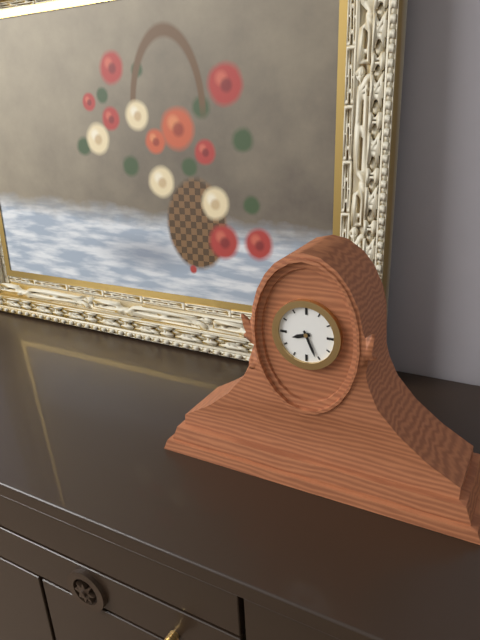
8h26
